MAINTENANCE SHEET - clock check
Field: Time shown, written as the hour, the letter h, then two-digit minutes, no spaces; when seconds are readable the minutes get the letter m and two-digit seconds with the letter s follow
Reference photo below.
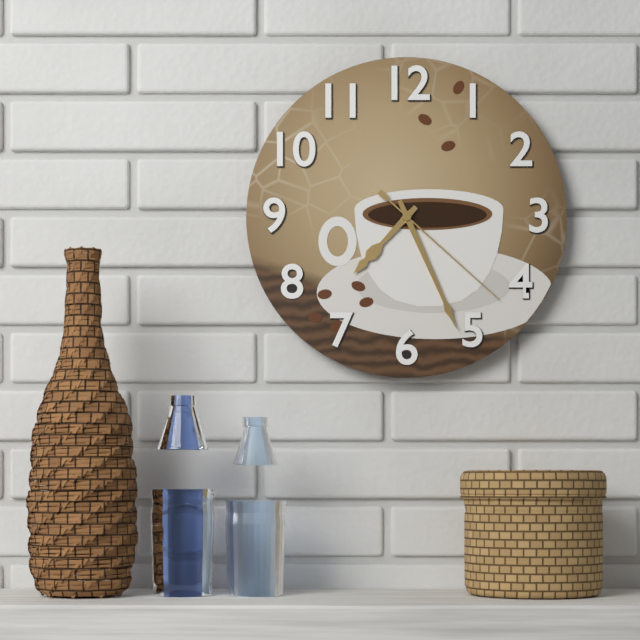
7h26m22s
